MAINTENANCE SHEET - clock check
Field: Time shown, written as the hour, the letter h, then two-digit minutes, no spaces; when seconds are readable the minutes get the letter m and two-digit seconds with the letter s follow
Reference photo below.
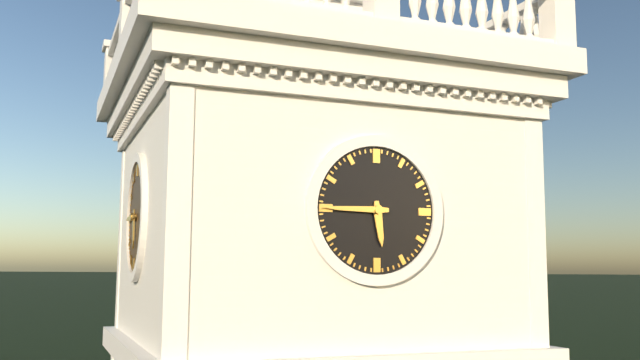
5h45
